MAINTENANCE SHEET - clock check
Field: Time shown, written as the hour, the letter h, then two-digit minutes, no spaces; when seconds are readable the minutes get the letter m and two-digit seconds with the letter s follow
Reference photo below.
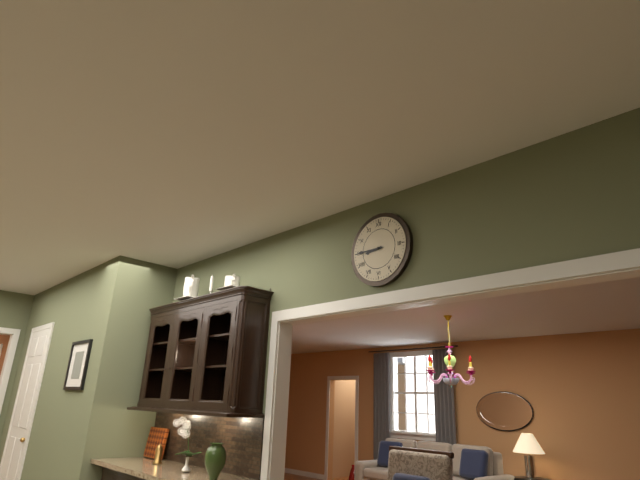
8h45
